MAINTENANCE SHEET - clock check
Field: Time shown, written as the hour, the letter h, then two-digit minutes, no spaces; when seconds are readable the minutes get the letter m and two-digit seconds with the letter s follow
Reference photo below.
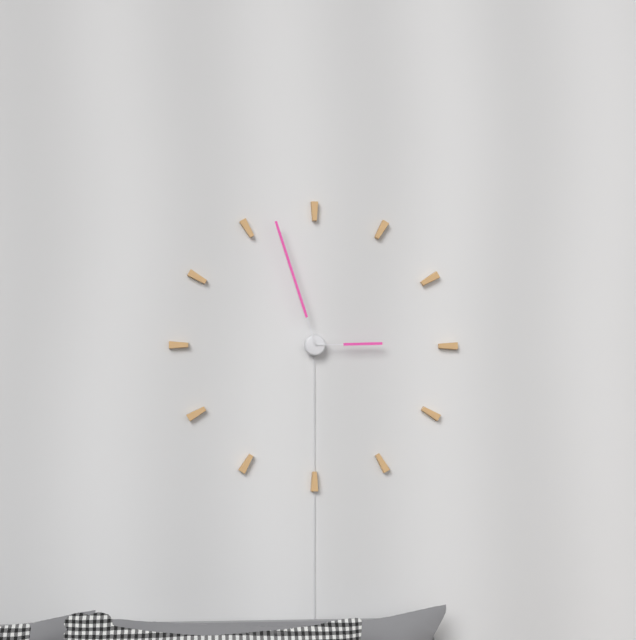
2h57
